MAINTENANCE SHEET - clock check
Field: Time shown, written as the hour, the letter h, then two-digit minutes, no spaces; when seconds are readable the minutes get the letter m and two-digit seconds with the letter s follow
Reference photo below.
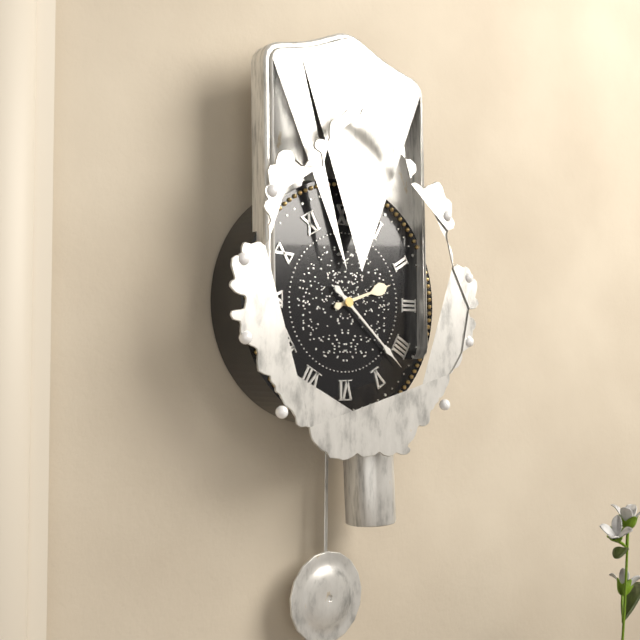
2h22
